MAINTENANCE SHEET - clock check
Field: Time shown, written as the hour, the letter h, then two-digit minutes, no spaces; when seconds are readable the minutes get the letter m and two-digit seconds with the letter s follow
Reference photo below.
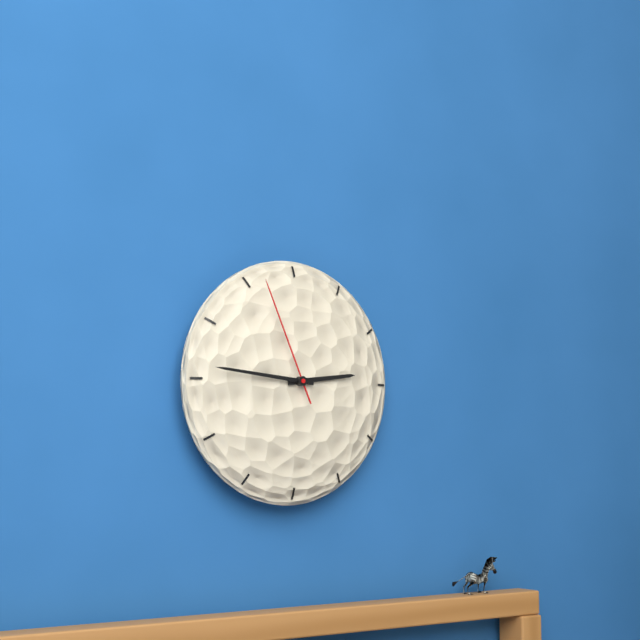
2h46m56s
